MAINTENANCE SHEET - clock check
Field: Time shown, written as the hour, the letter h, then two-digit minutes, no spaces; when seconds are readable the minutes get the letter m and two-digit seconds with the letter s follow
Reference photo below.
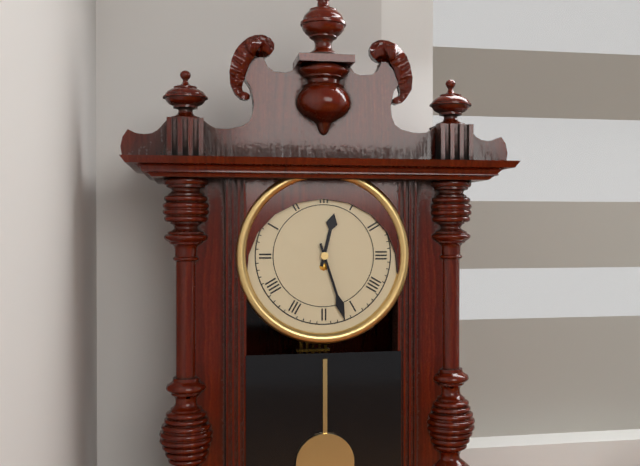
12h27
